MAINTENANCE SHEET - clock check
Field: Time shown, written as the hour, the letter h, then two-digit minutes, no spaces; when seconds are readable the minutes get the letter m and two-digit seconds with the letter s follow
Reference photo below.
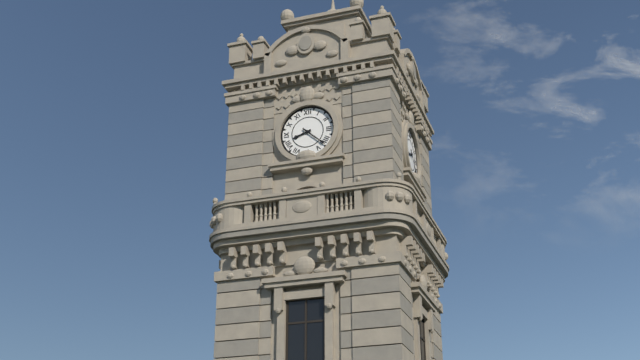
8h22
